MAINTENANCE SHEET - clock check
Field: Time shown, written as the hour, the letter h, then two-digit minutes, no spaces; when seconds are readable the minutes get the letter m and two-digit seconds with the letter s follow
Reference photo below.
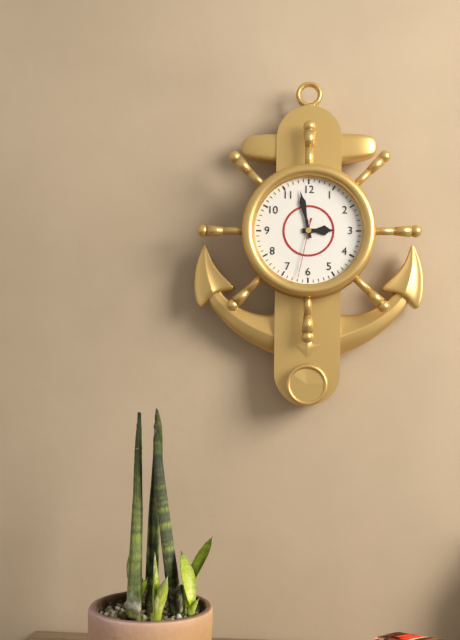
2h58m32s
